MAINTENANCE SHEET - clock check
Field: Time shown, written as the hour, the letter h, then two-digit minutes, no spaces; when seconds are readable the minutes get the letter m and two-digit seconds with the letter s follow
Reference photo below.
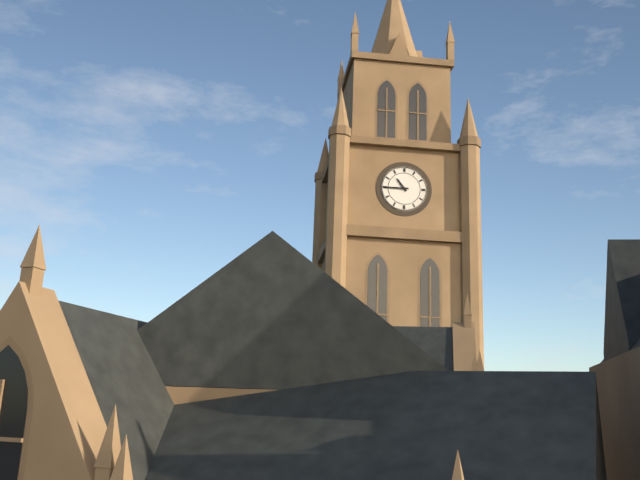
10h45
